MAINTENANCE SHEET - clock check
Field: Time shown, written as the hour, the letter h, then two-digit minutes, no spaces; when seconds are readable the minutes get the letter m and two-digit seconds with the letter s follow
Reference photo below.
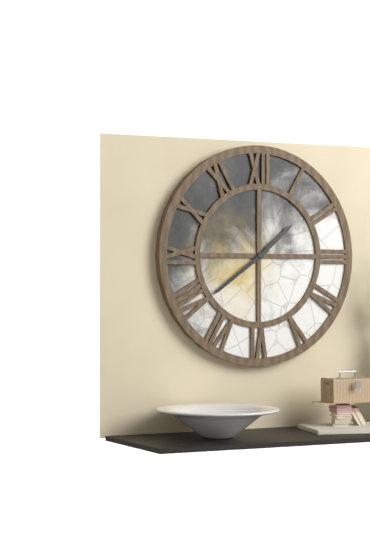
1h39
